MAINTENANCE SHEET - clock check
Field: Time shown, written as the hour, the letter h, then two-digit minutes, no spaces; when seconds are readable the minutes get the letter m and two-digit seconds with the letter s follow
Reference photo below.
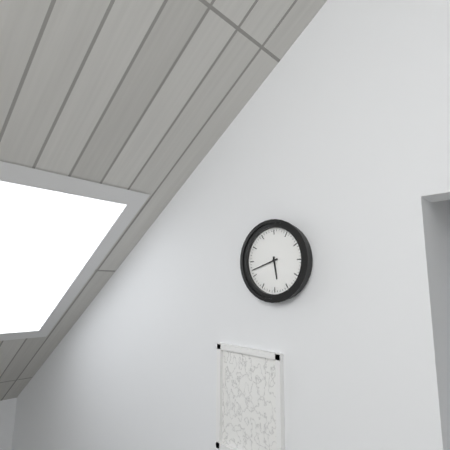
5h42
